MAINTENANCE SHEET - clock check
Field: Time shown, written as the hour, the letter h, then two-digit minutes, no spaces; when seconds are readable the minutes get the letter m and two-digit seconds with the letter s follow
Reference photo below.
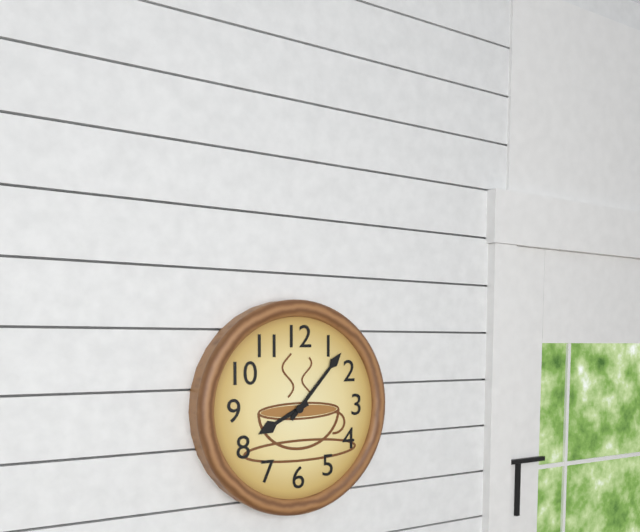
8h07
